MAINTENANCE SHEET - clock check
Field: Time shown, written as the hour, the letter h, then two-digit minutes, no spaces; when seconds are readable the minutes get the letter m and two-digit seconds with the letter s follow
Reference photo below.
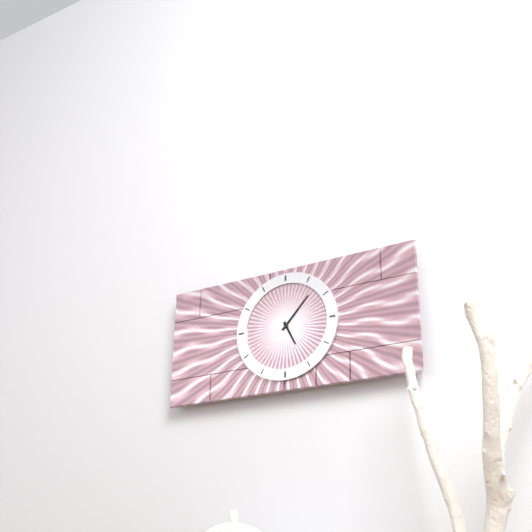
5h07
